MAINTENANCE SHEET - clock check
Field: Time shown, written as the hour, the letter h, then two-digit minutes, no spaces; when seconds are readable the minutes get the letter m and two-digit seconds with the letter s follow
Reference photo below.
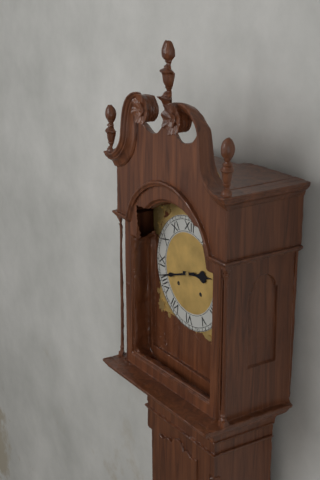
2h42
